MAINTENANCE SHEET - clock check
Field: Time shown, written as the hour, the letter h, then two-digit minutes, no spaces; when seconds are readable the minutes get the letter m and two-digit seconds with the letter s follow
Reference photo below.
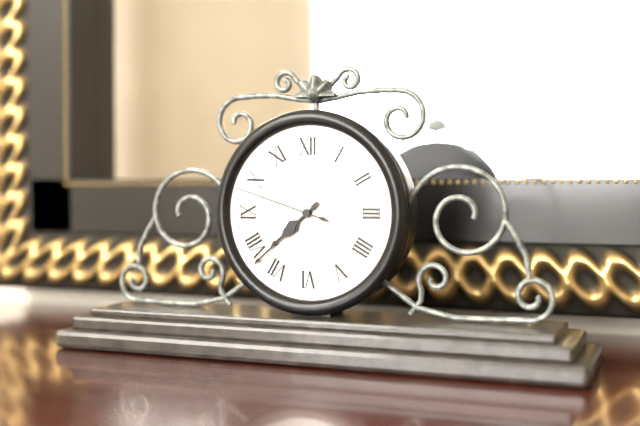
7h38m48s
